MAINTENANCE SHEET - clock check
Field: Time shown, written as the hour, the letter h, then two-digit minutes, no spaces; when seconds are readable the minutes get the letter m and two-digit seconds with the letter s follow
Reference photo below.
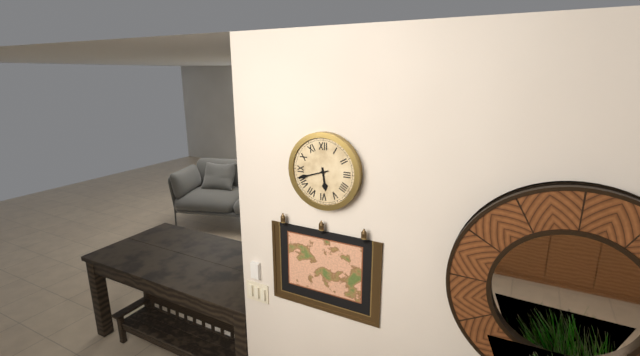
5h42
